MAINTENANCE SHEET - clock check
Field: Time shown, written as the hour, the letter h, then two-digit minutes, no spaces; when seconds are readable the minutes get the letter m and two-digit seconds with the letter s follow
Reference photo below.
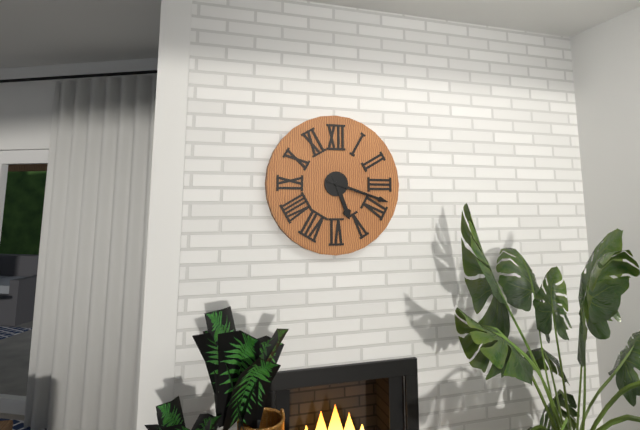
5h18
